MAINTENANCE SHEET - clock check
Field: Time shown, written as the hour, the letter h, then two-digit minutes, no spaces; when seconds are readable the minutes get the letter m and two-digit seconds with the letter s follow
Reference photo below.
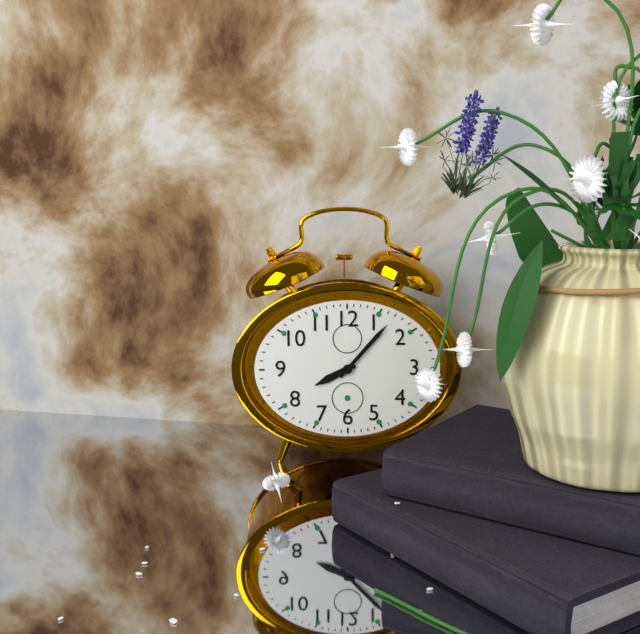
8h07
